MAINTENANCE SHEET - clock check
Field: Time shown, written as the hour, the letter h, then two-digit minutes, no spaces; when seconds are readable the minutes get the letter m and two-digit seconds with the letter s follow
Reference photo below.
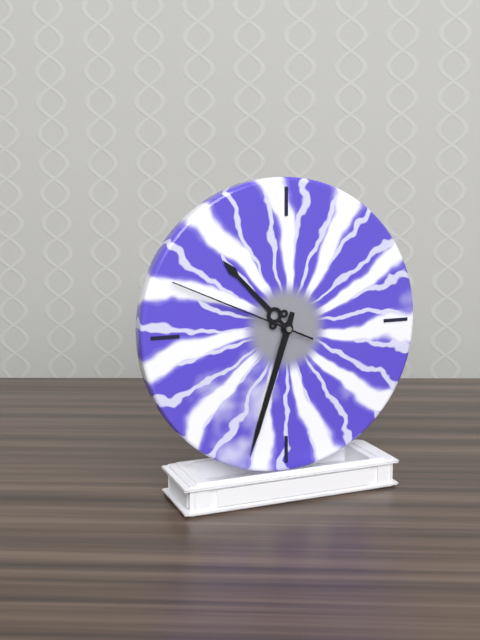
10h33m49s
